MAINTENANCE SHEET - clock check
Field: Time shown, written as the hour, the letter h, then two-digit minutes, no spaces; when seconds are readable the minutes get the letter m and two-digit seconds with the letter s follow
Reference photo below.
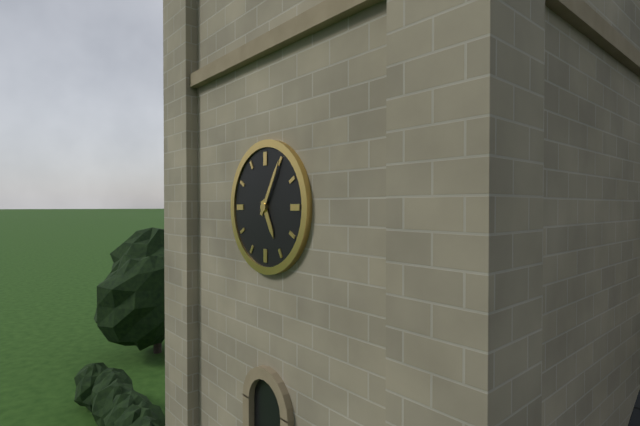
5h05
